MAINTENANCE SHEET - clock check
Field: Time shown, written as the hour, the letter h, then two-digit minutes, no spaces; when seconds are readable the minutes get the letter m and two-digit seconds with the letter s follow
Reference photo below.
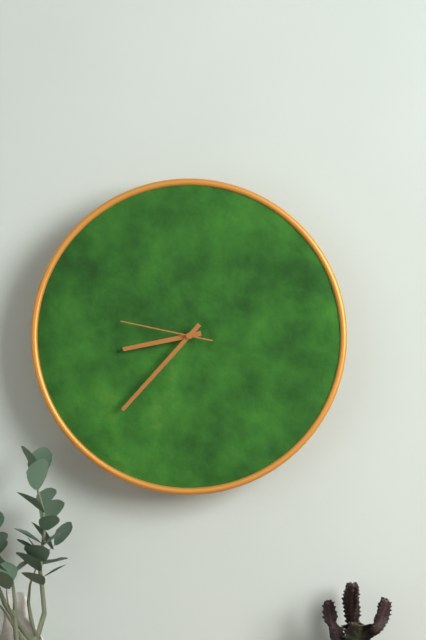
8h37m47s
